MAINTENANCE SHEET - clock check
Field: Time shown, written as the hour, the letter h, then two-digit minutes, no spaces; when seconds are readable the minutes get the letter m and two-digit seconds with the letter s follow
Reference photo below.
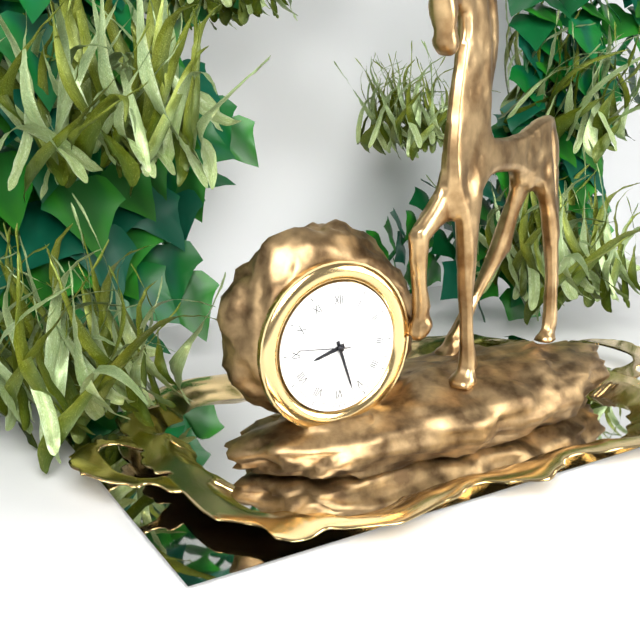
8h27m46s
